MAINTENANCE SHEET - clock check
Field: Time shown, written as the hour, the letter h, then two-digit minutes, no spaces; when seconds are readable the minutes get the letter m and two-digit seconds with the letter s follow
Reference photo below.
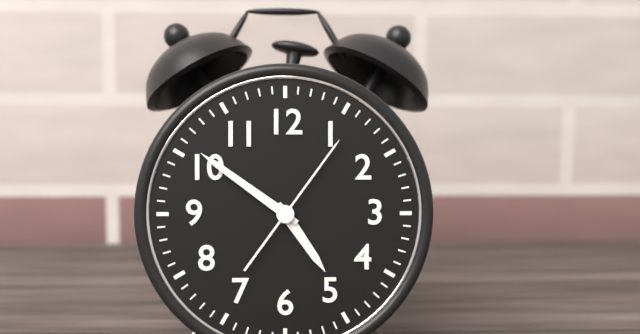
4h51m06s
